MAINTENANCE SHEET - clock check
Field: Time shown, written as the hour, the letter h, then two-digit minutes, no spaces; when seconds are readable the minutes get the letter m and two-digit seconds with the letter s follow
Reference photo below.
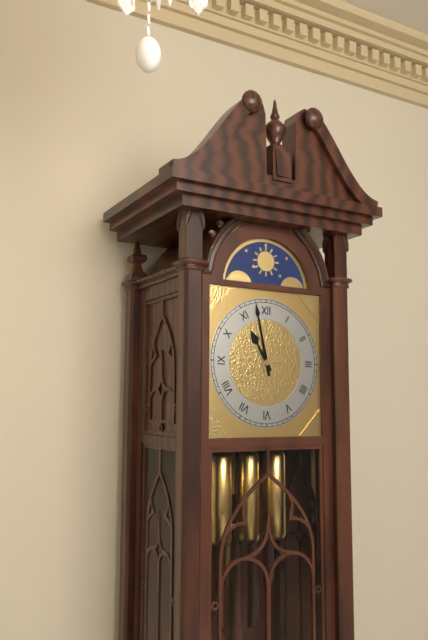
10h58
